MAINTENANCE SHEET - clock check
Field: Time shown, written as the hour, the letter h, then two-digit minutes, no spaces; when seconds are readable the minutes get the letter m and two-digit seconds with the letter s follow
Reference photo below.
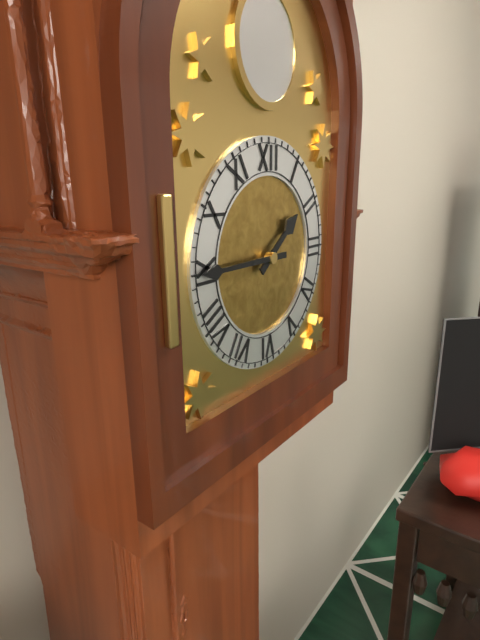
1h45
